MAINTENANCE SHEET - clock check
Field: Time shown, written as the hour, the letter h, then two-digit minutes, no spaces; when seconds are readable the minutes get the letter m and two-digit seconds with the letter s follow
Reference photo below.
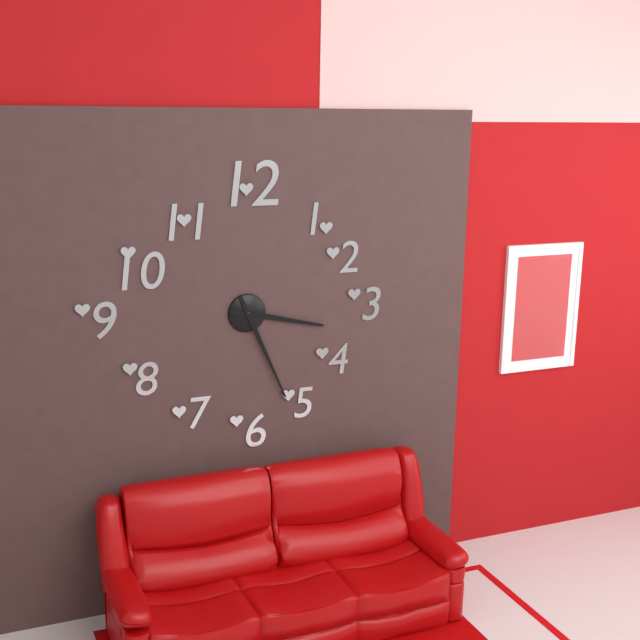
3h26
